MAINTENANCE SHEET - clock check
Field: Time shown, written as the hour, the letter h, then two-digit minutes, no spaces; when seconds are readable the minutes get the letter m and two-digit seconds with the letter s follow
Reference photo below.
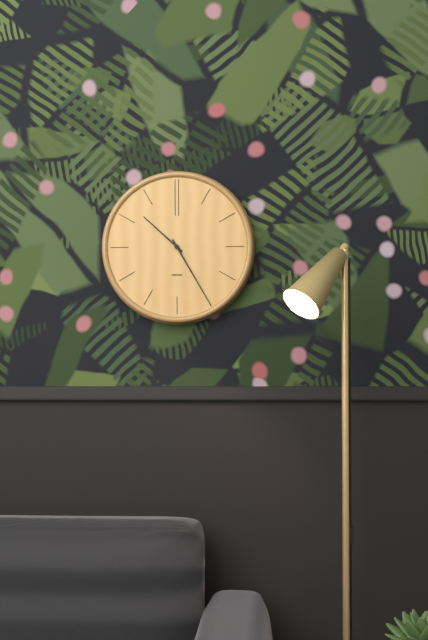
10h25
